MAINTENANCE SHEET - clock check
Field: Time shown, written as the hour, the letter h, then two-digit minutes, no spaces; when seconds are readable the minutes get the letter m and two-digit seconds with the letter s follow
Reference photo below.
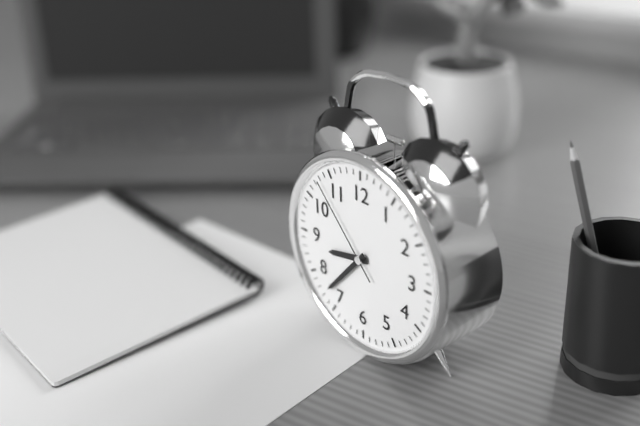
8h37m53s
